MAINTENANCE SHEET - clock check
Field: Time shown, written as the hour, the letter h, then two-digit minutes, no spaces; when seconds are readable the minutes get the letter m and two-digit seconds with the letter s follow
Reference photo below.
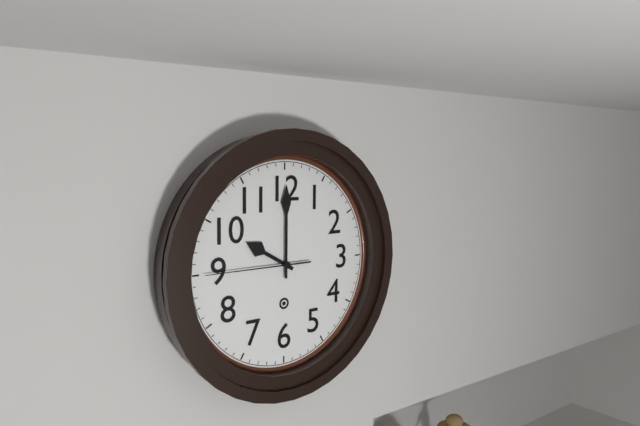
10h00m45s
